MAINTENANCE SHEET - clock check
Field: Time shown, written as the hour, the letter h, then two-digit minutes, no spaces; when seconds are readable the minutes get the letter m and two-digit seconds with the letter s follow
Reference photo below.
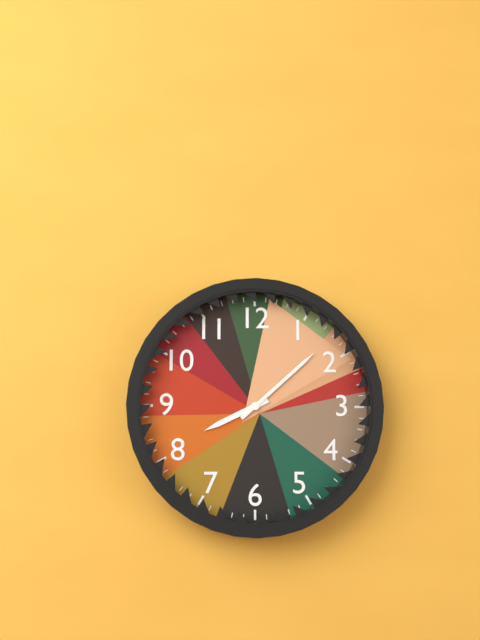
8h08
